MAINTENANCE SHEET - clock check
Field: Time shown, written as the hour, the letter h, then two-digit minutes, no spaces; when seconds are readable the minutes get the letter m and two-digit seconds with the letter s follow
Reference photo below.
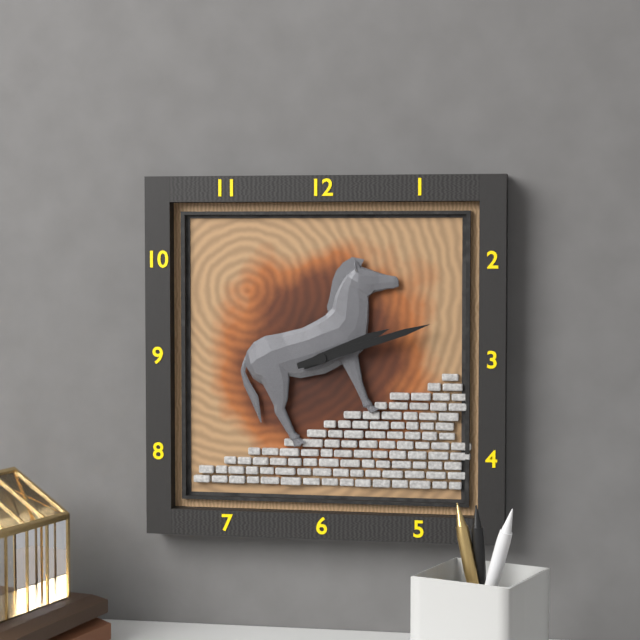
2h12
